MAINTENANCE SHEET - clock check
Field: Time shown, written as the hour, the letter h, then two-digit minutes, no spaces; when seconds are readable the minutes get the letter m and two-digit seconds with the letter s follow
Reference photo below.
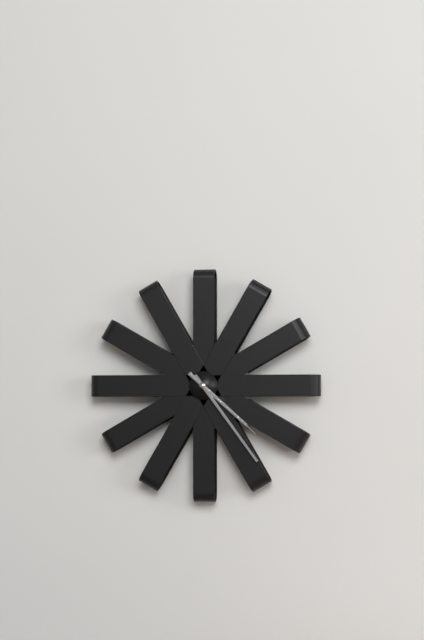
4h24m22s
